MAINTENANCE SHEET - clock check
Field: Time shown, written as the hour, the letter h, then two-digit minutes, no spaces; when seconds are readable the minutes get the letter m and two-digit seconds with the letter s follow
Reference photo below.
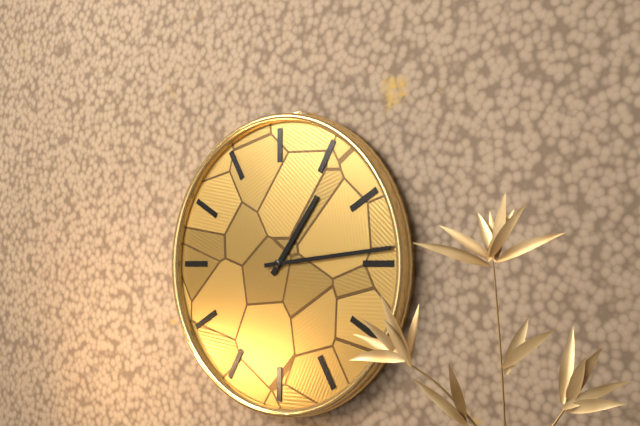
1h14
